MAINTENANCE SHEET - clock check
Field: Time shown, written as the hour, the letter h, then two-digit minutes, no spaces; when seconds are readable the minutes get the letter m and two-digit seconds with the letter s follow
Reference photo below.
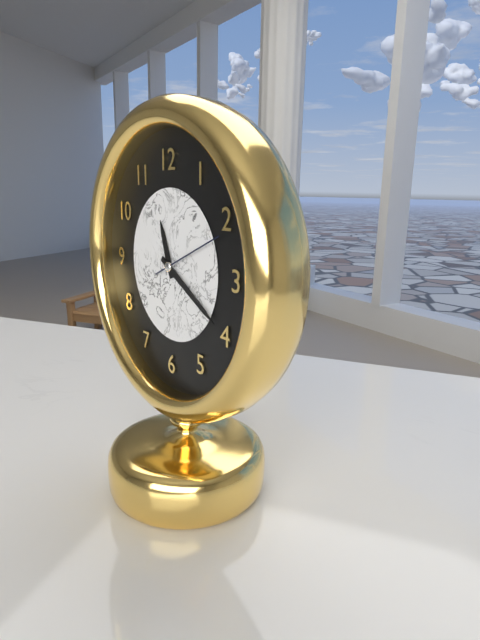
11h20m11s
